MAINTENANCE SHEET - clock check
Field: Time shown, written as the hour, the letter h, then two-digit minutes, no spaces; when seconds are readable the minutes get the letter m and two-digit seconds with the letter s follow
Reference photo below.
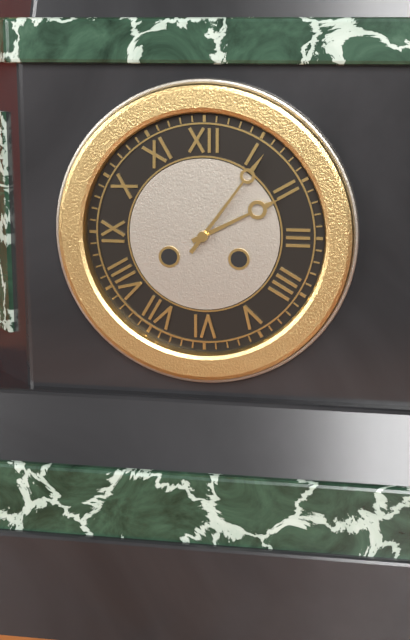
2h06
